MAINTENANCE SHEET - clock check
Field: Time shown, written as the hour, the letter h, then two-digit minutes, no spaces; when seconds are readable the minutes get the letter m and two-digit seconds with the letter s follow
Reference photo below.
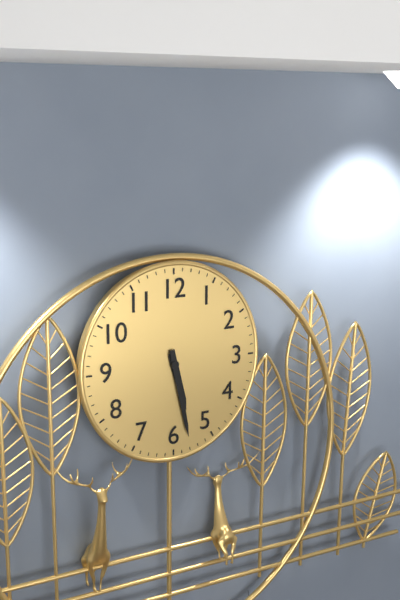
5h28
